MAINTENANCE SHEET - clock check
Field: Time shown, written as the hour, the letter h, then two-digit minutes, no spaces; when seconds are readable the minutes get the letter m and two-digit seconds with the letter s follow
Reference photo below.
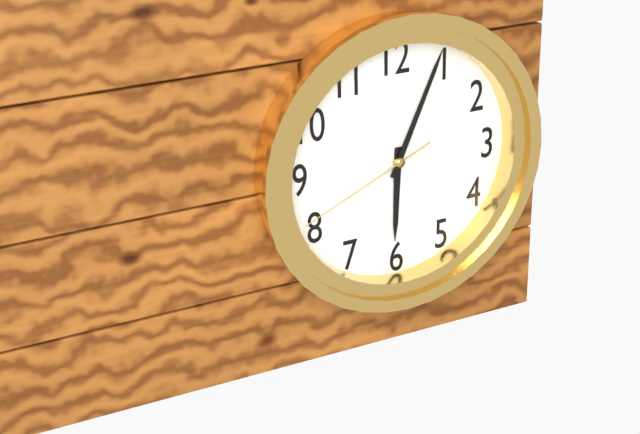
6h04m41s
